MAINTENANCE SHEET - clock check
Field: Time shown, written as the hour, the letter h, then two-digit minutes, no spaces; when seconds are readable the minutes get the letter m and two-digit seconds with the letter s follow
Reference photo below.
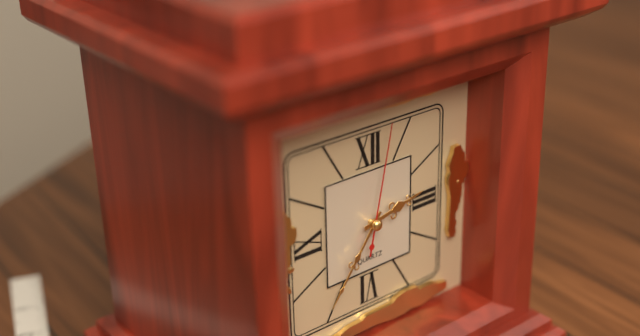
2h36m02s
